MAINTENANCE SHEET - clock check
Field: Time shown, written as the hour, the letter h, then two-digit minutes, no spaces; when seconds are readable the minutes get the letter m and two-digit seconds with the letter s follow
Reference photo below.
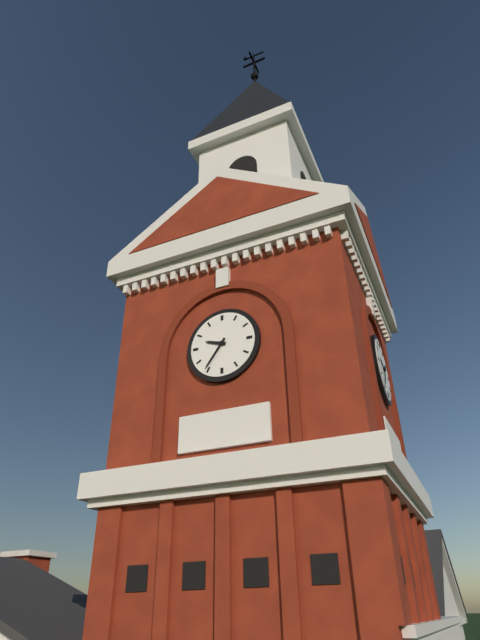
9h36
